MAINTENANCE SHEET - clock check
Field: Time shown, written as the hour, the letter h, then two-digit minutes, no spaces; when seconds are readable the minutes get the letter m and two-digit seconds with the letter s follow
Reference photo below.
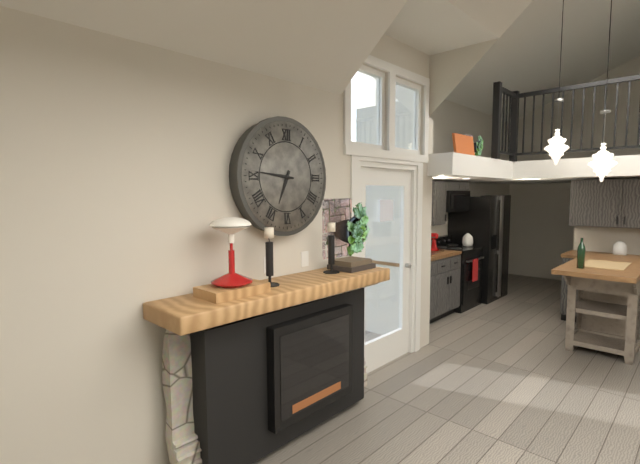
6h46
